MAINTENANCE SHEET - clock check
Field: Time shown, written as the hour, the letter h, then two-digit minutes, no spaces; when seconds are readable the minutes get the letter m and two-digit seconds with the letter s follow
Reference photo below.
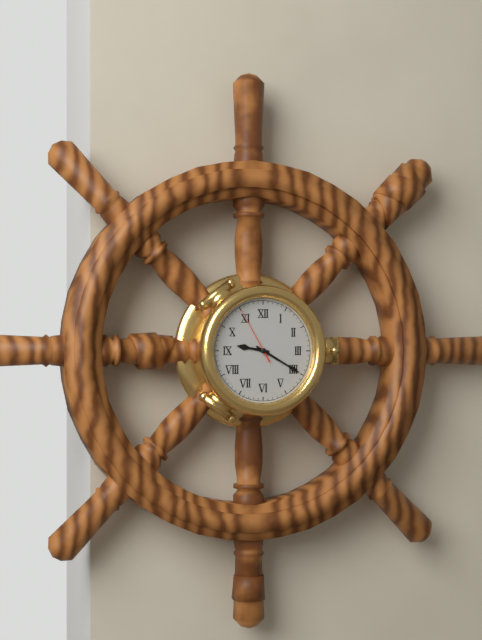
9h20m55s
